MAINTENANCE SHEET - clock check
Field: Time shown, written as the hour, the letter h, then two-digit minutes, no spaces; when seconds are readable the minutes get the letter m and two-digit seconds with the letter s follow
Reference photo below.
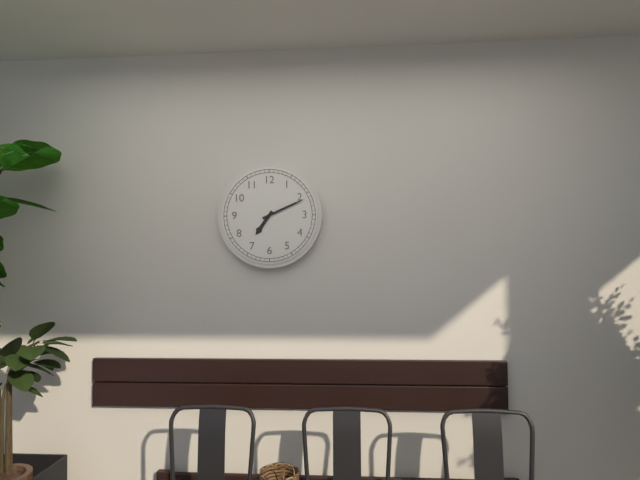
7h11
